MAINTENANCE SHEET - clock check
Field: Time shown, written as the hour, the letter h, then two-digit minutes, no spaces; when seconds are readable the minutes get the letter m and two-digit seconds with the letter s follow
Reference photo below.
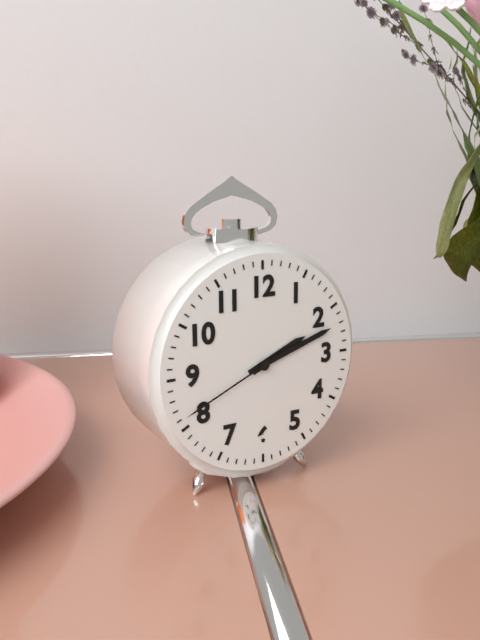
2h12m41s
